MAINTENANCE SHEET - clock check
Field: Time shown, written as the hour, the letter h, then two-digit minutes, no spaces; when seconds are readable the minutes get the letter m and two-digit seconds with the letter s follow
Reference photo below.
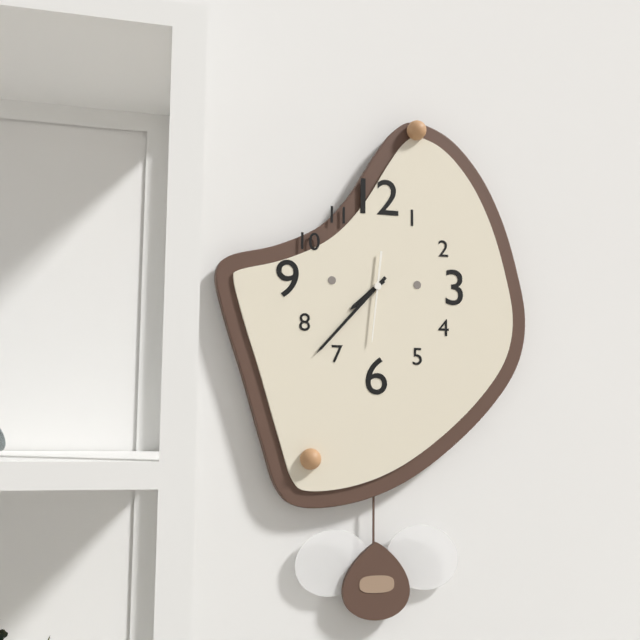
7h37m31s
